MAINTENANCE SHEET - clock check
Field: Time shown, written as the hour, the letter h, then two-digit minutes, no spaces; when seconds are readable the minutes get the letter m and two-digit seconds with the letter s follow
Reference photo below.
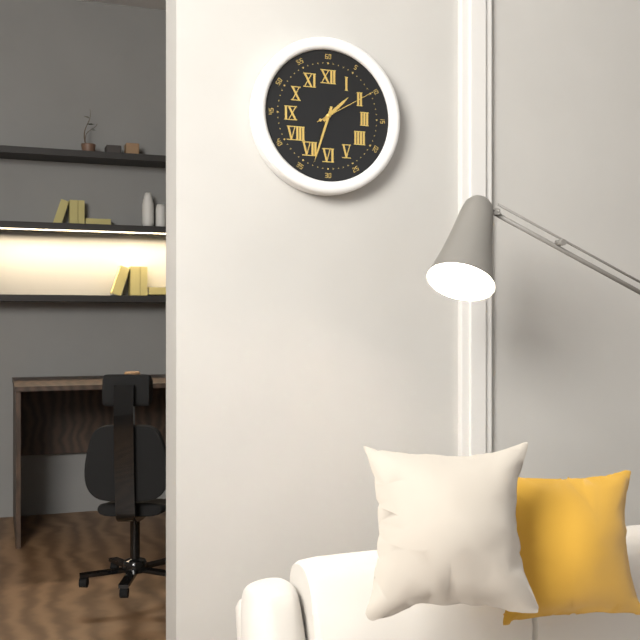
1h33m10s
